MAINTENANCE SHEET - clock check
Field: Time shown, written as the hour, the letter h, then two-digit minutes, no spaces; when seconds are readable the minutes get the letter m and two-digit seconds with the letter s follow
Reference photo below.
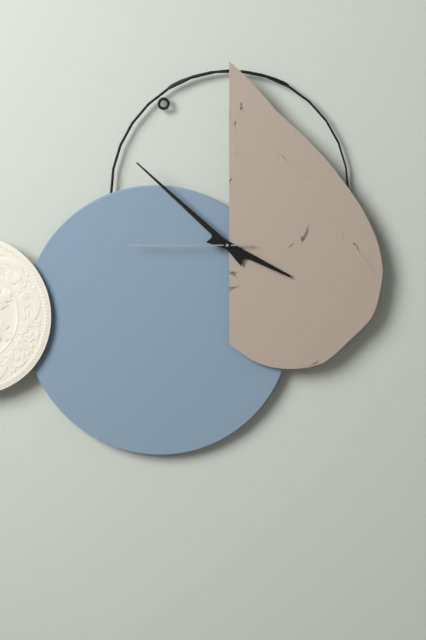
3h52m45s
